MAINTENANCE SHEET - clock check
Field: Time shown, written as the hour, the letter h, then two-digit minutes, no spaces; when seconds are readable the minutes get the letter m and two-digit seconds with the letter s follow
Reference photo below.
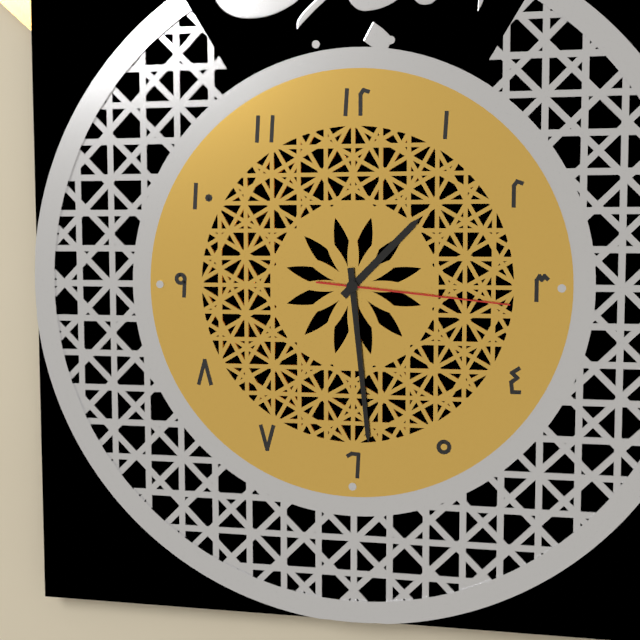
1h29m16s
